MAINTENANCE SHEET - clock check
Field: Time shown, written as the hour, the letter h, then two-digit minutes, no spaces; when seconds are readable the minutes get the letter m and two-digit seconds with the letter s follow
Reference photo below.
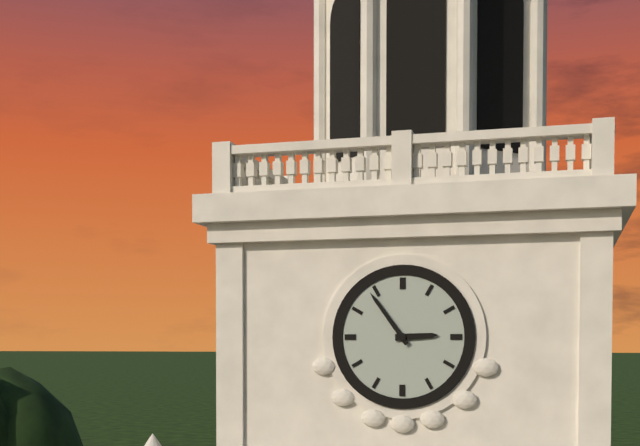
2h54
